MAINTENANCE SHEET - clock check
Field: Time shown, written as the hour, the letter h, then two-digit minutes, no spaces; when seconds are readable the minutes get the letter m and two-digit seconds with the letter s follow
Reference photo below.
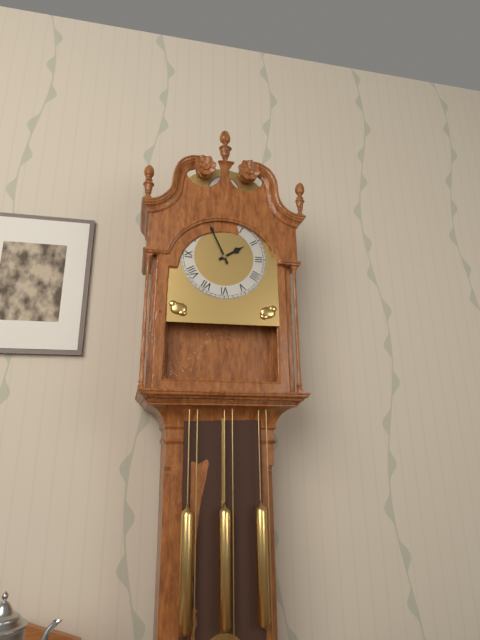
1h56
